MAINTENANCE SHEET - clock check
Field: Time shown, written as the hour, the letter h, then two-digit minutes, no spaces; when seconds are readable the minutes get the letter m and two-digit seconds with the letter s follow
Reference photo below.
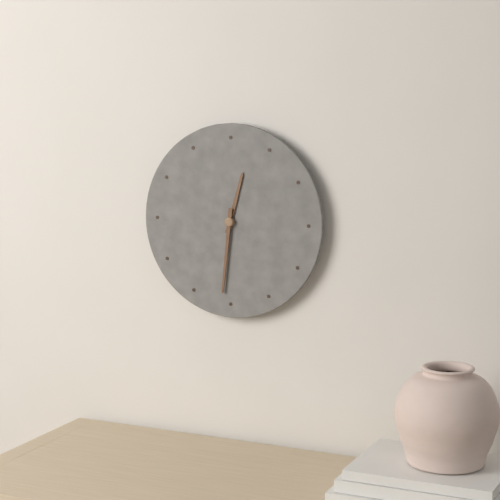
12h31
